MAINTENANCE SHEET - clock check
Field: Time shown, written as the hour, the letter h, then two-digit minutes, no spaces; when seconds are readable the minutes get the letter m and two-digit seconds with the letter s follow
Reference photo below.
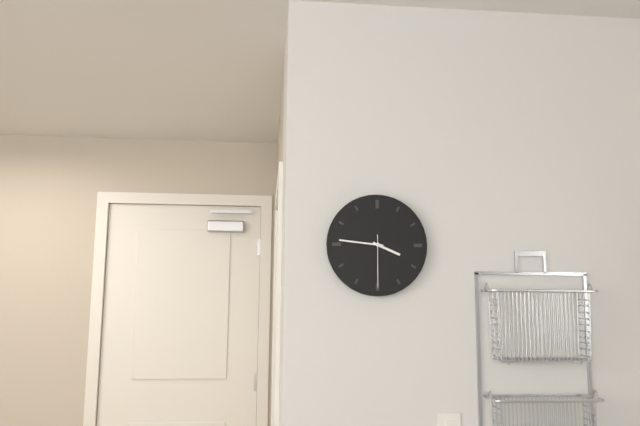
3h46m30s
